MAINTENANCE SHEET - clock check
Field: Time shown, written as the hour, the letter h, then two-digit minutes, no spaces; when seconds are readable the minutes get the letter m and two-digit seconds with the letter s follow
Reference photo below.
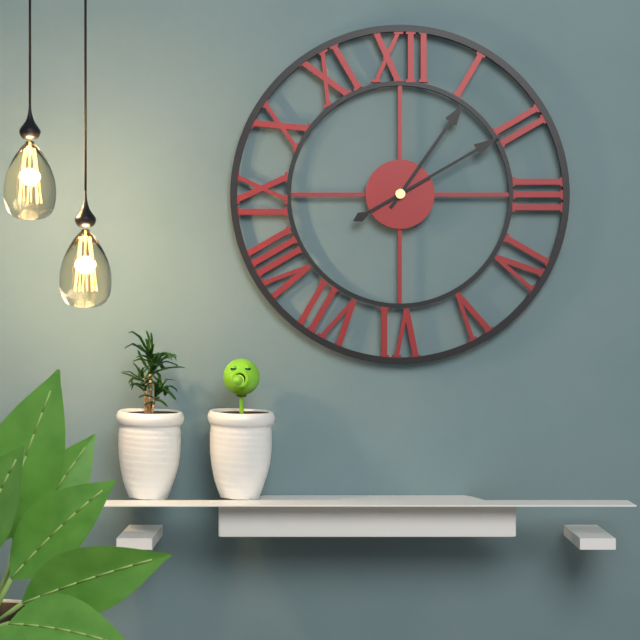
1h10
